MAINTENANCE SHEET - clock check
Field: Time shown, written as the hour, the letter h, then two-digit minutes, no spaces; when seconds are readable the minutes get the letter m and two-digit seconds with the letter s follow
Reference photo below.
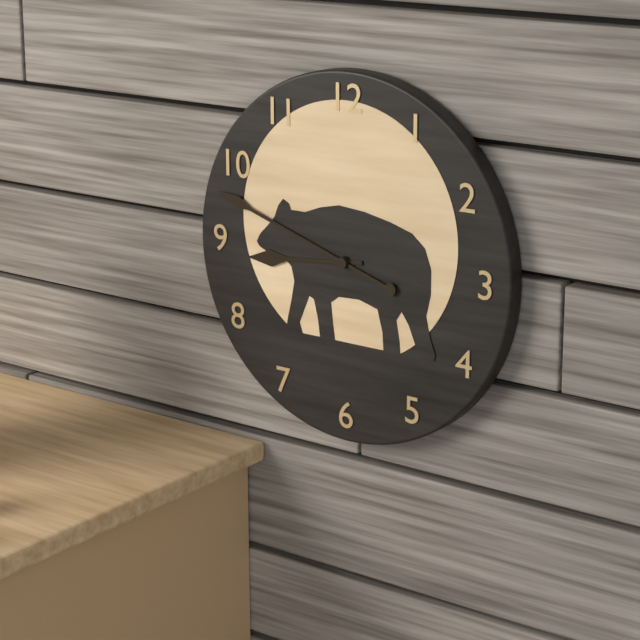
8h48
